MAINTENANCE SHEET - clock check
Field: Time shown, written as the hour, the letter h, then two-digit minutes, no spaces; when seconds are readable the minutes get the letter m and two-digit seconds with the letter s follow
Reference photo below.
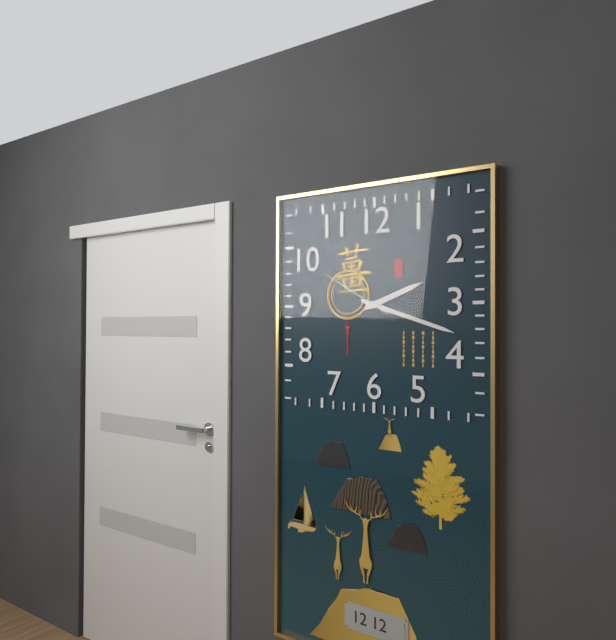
2h18m50s
